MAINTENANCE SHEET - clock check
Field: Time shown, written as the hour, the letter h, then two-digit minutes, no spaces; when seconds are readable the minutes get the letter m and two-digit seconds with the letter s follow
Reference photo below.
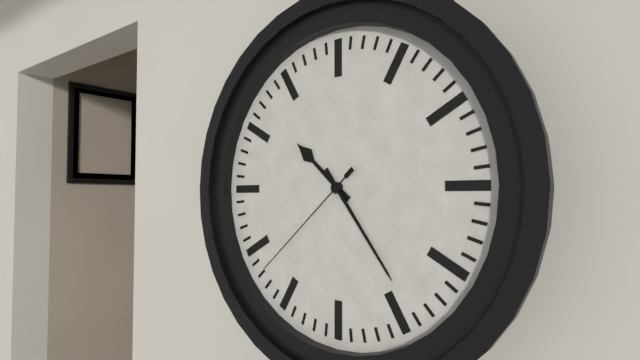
10h24m38s
